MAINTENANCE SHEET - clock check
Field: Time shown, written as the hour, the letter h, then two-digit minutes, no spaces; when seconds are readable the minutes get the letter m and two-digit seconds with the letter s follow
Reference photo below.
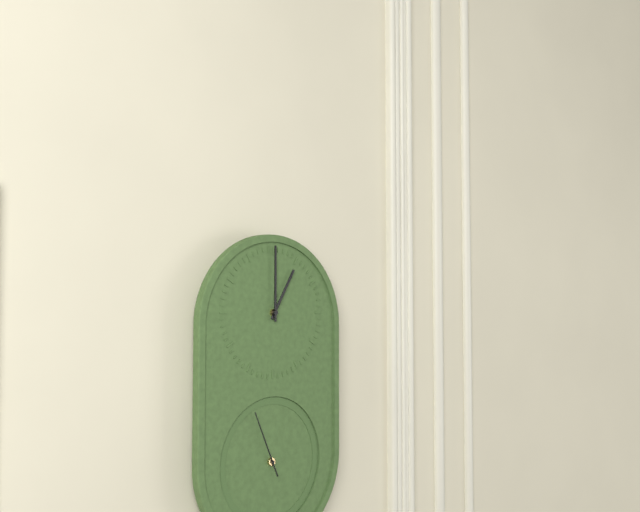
1h00m56s
